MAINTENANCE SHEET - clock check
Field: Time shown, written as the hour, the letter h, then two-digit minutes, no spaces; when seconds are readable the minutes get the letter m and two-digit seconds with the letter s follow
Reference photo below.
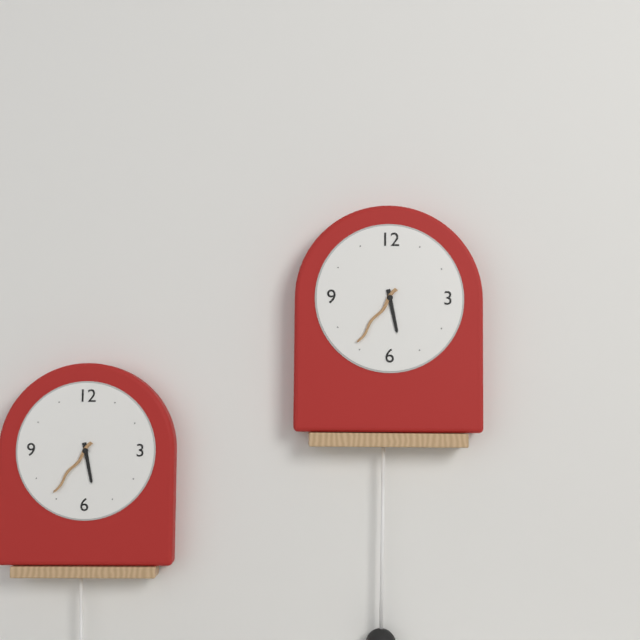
5h36
